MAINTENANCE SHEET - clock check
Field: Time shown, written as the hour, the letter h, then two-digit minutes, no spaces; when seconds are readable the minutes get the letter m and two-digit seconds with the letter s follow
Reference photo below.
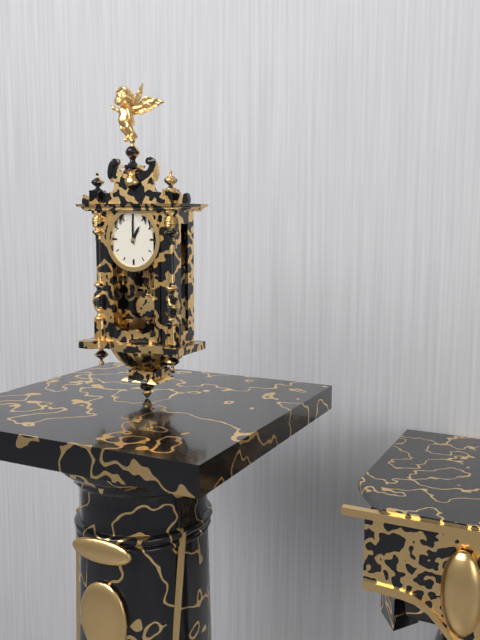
1h00
